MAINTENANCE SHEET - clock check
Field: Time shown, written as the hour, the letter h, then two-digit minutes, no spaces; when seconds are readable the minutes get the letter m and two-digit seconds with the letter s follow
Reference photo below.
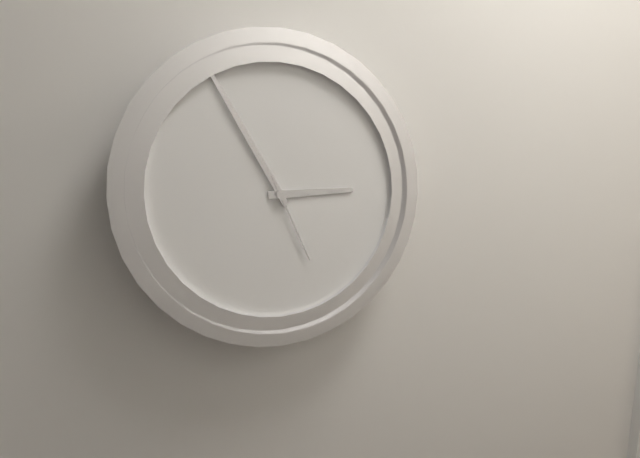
2h55m26s
